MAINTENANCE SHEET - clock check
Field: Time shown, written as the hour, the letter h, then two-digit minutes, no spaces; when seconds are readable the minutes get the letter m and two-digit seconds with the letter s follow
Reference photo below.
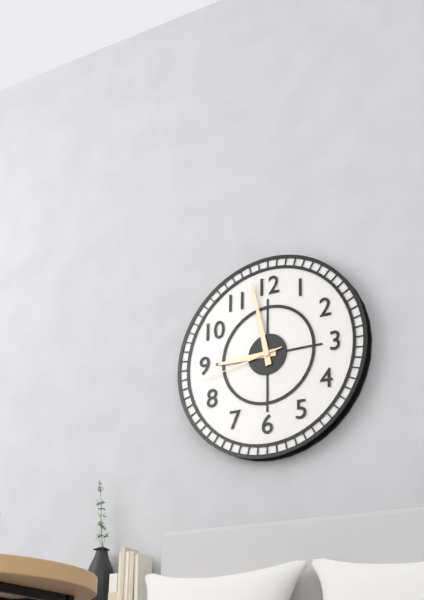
8h58m43s
